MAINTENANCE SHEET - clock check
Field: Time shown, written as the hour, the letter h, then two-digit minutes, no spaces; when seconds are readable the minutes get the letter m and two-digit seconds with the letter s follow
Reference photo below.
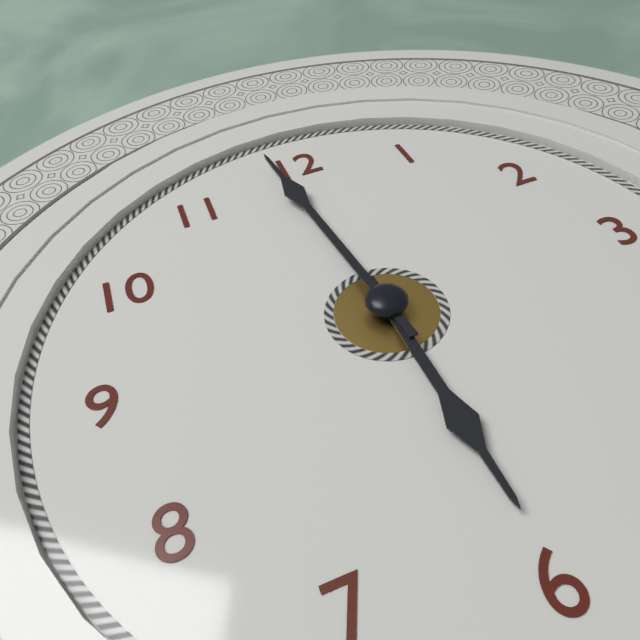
5h59
